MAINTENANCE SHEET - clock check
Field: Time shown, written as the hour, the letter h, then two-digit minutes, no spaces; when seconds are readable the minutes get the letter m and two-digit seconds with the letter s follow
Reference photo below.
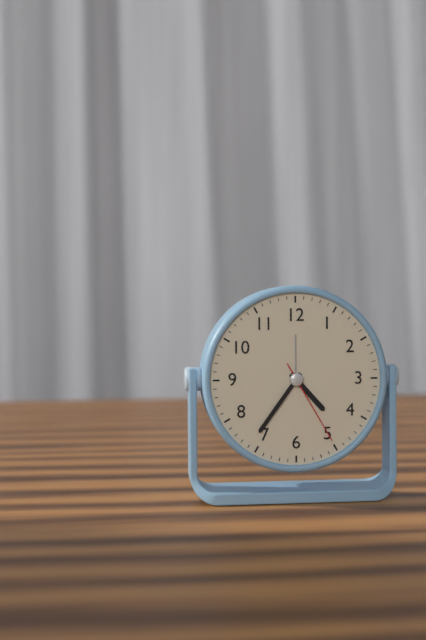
4h36m25s
